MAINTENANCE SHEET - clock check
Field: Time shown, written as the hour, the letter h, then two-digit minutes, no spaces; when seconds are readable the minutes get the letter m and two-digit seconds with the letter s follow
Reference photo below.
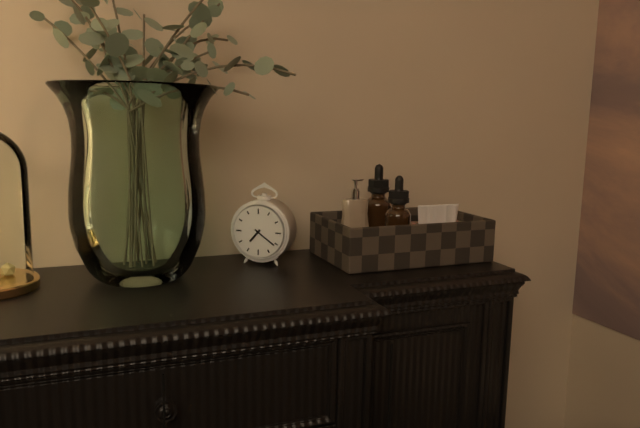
7h21
